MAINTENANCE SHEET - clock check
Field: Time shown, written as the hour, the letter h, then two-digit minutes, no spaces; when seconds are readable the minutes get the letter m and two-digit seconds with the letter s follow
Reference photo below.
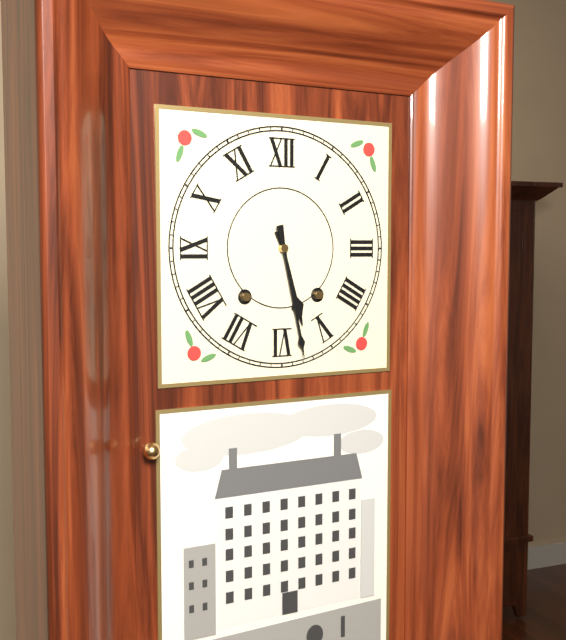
5h28
